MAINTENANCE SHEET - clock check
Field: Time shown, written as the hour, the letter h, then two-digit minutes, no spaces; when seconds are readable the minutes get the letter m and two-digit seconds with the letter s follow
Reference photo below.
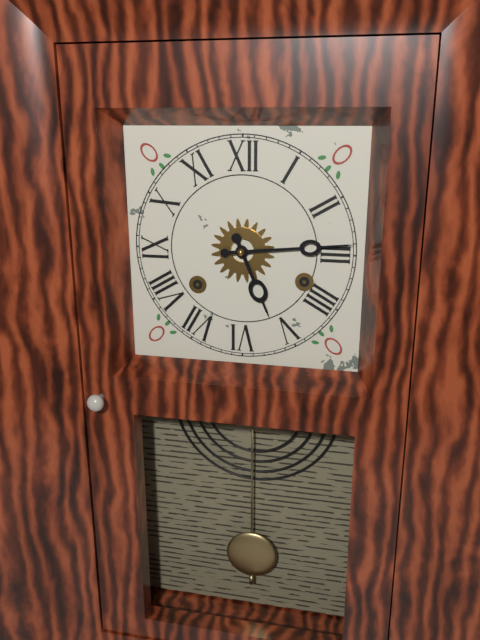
5h14
